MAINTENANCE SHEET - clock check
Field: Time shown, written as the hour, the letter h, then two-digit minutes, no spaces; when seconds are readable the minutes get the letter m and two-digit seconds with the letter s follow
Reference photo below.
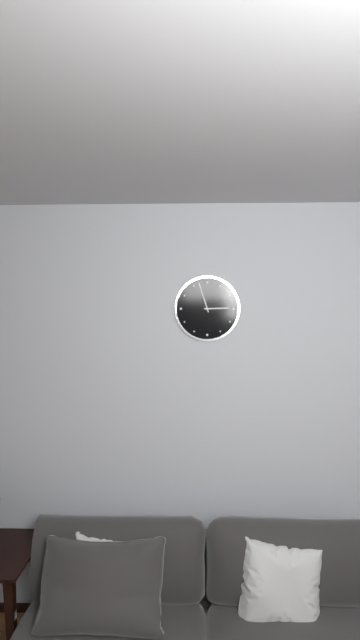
2h57
